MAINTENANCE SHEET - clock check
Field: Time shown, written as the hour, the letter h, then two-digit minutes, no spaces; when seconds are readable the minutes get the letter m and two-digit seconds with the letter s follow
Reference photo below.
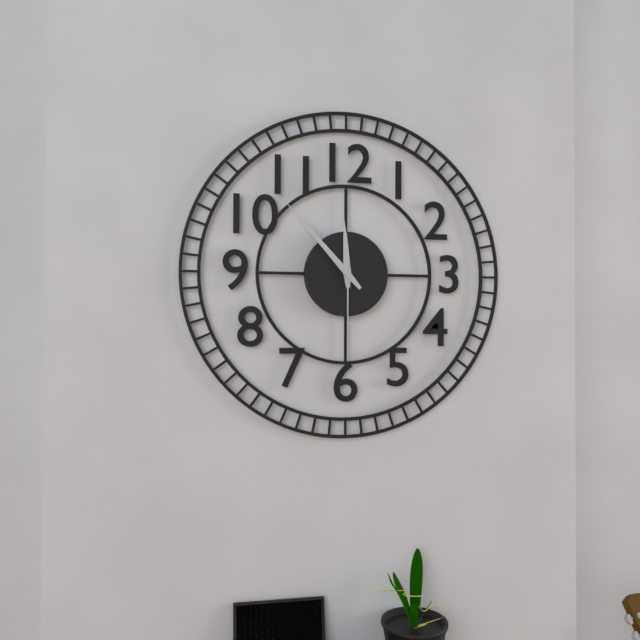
11h53m30s
